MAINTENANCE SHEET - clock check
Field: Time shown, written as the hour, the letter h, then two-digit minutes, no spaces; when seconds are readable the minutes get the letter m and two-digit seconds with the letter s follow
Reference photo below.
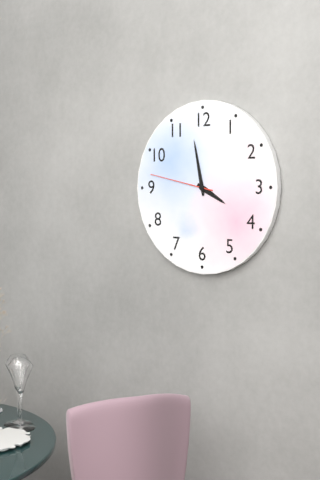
3h58m47s
